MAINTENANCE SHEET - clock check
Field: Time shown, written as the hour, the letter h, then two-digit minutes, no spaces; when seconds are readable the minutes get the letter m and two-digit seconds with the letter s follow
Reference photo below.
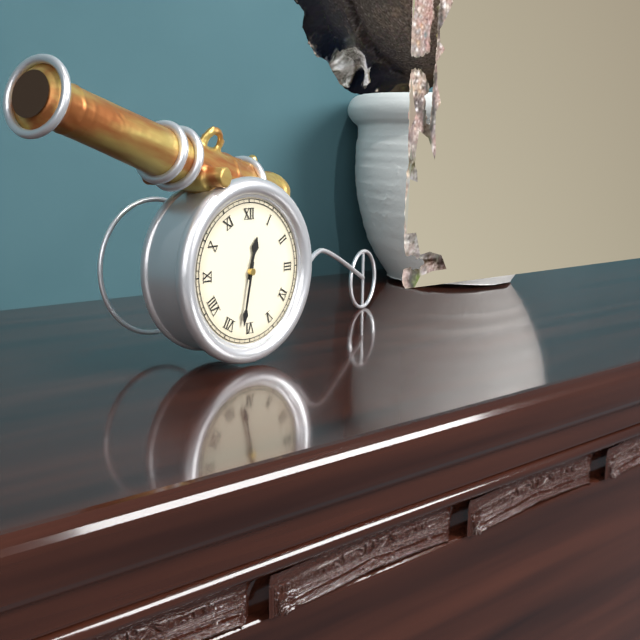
12h32
